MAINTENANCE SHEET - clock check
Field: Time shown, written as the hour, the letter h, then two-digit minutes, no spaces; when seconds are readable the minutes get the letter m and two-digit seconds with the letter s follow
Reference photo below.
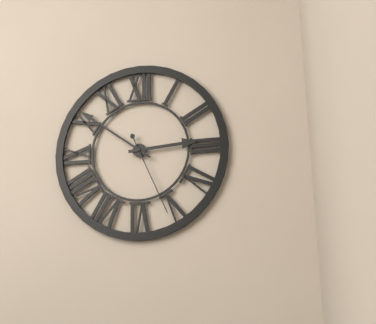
2h51m26s
